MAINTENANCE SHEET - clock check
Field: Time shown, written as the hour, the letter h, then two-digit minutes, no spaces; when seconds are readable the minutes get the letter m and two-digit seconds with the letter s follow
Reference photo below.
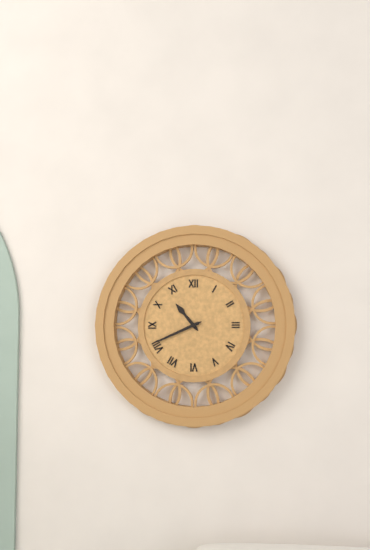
10h41
